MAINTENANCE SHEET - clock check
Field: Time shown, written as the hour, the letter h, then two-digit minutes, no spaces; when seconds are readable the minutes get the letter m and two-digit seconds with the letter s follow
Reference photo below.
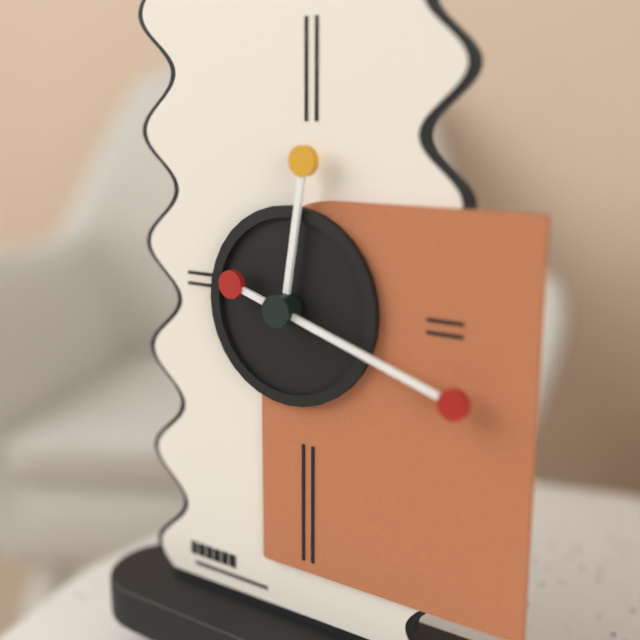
12h18
